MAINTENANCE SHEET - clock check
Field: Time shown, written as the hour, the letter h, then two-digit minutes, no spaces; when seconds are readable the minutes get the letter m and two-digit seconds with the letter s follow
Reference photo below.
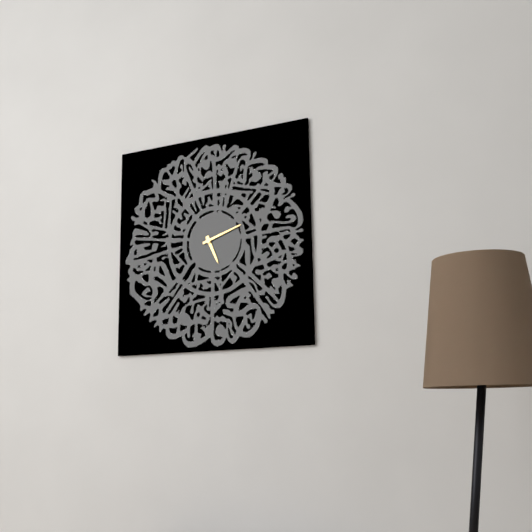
5h12
